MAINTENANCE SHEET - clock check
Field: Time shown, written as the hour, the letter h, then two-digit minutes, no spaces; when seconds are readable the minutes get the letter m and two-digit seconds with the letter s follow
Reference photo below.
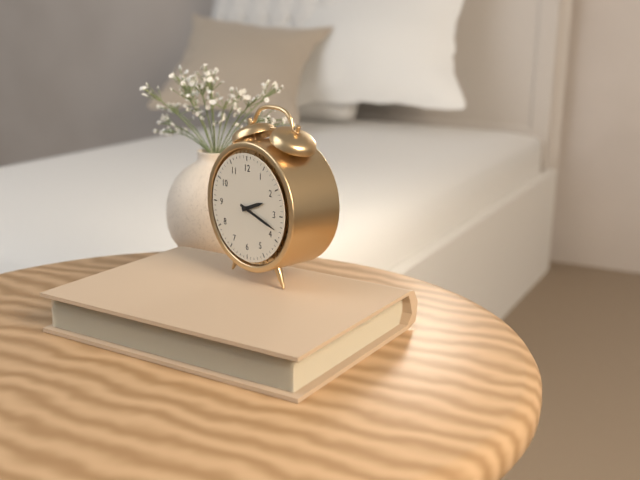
2h18
